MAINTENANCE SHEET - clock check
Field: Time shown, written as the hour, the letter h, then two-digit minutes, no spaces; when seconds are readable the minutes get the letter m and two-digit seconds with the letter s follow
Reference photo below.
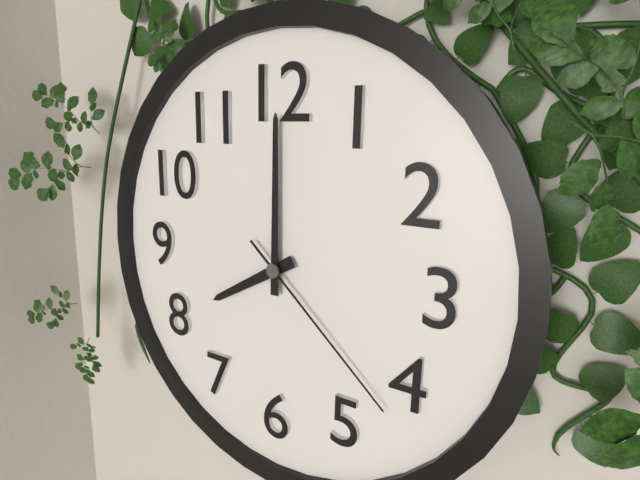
8h00m22s
